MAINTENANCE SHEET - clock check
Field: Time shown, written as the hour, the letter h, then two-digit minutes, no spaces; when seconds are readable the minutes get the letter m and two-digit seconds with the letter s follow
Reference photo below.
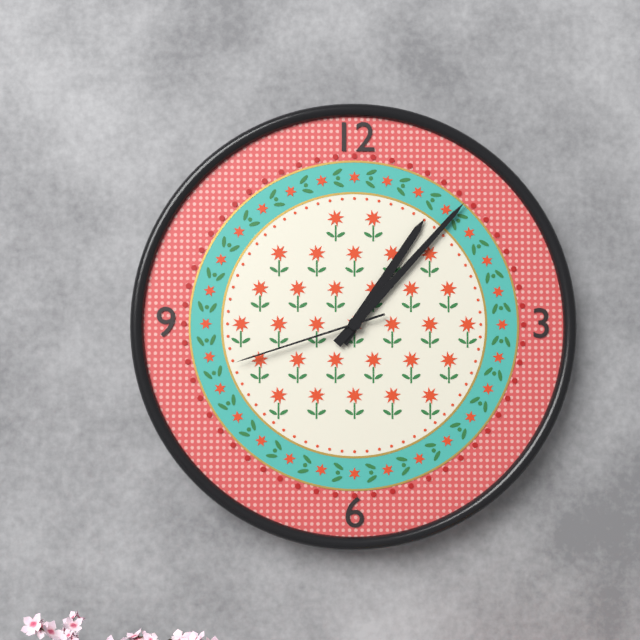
1h07m42s
